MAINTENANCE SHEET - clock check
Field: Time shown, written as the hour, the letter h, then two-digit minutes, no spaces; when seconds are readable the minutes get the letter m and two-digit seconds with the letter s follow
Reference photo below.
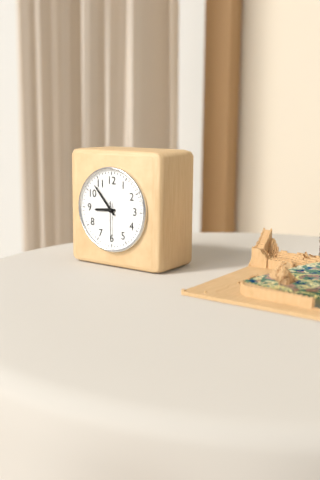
8h53
